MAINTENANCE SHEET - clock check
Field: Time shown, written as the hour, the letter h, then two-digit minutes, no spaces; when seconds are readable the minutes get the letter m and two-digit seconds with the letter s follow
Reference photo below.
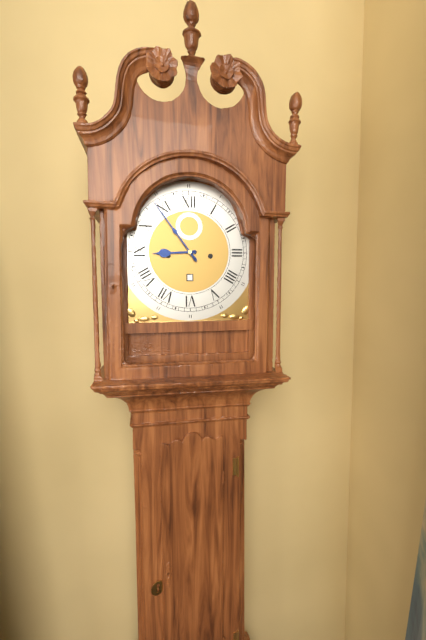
8h54
